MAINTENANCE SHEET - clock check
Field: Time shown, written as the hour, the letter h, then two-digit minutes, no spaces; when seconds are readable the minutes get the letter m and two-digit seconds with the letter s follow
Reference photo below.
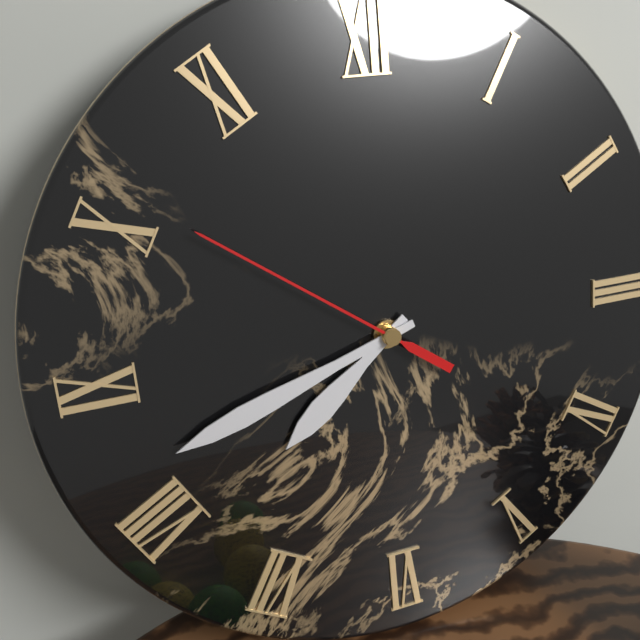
7h42m51s
